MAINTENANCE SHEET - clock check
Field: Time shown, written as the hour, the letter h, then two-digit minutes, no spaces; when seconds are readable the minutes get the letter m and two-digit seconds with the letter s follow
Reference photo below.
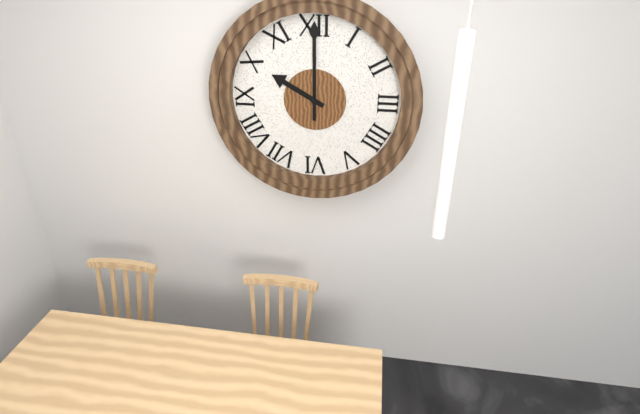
10h00
